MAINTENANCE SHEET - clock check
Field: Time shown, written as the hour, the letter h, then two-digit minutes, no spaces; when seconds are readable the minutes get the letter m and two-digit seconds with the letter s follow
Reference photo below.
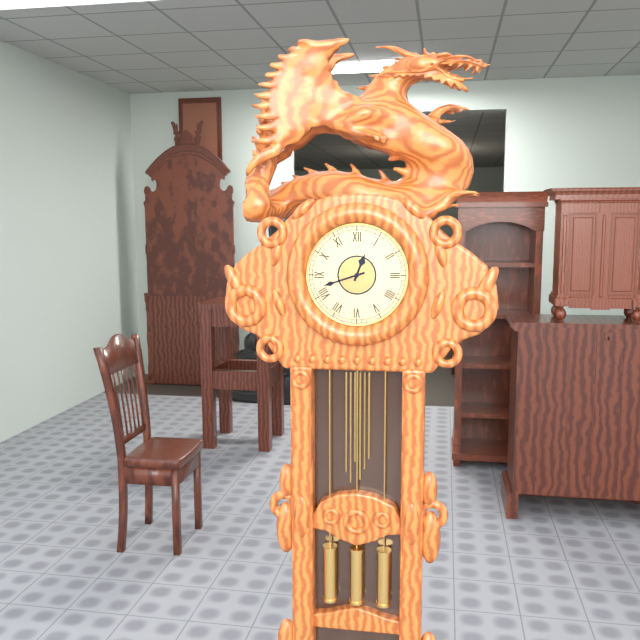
12h42
